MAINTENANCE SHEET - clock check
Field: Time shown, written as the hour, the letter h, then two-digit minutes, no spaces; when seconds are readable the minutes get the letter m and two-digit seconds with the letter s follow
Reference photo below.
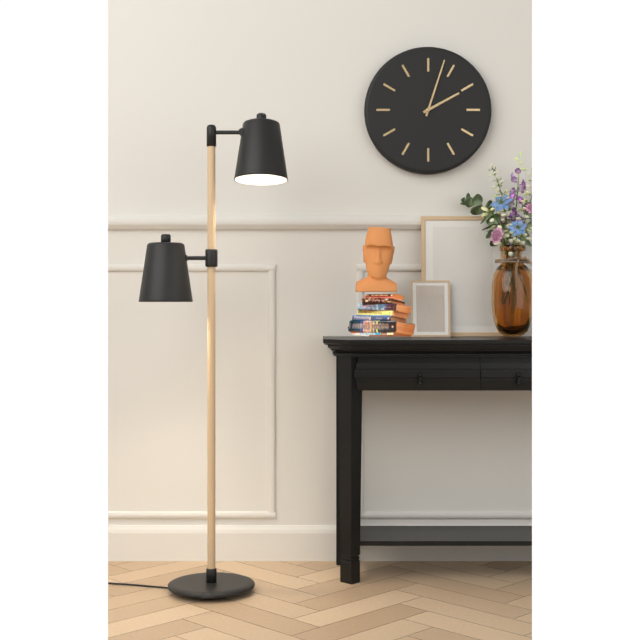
2h03
